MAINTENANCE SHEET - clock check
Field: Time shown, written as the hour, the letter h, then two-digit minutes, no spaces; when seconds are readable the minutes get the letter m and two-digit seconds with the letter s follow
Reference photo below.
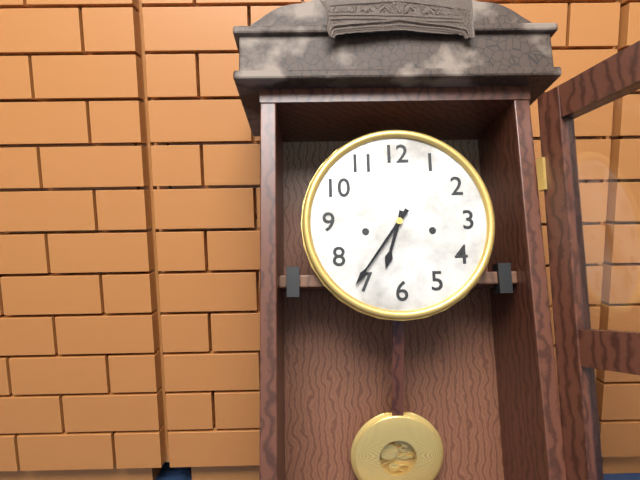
6h36
